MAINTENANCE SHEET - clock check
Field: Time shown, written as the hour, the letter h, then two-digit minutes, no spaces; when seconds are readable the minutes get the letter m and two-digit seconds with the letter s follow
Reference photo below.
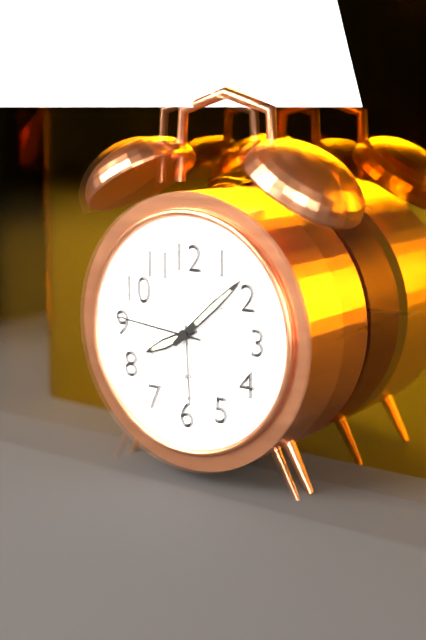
8h08m46s
